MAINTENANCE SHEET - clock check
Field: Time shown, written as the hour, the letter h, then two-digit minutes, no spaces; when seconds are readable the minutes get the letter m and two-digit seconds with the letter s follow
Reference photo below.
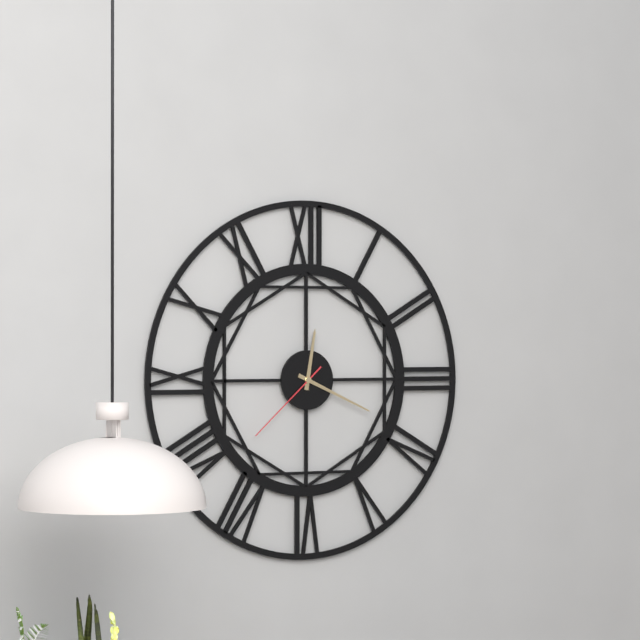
12h19m38s
